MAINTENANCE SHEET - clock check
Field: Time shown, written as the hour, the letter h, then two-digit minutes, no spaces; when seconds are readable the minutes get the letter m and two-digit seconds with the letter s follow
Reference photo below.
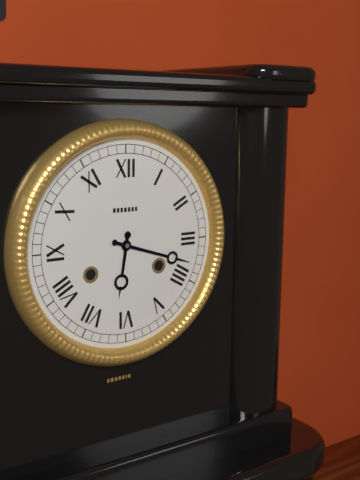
6h18
